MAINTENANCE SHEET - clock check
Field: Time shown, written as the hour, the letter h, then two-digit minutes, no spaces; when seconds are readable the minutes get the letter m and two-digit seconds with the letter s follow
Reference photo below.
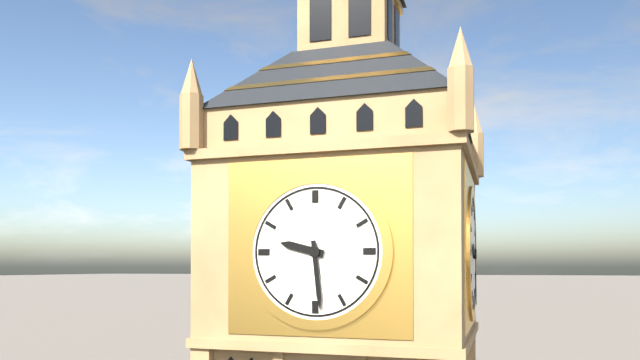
9h29
